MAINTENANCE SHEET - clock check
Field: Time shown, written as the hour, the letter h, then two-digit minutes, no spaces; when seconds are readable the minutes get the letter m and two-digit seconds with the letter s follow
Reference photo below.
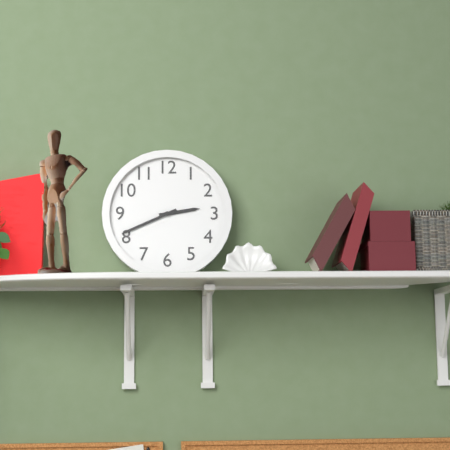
2h41
